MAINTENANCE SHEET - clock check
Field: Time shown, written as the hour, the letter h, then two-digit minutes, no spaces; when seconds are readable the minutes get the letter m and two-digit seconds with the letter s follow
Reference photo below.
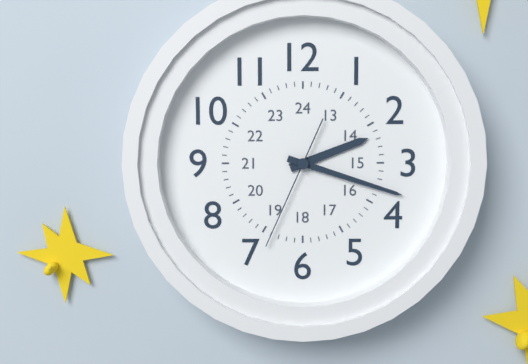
2h18m34s
